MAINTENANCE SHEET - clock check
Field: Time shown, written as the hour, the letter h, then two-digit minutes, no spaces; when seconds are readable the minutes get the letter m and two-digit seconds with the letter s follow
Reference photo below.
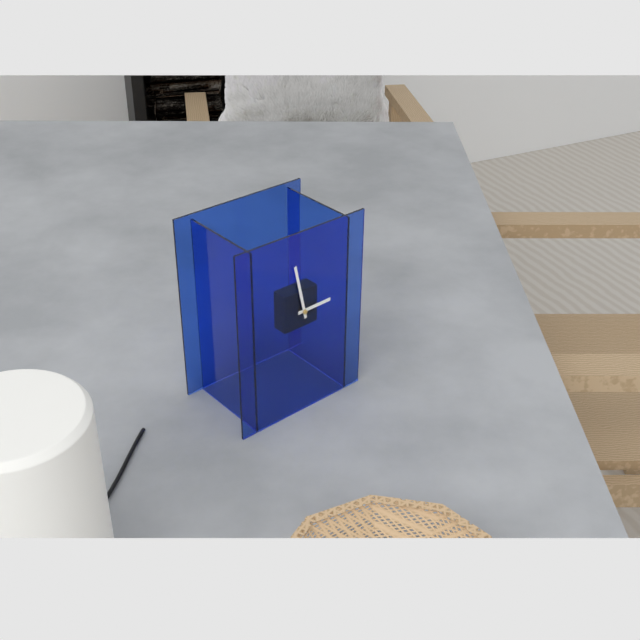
2h58
